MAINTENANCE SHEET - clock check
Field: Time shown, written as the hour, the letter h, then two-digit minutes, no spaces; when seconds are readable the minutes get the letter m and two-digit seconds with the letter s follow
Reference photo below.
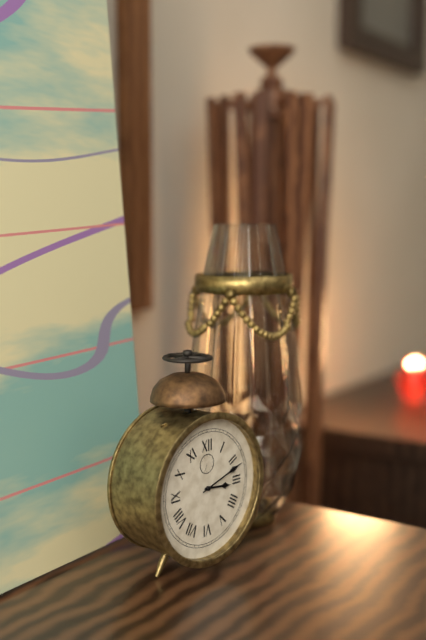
3h12
